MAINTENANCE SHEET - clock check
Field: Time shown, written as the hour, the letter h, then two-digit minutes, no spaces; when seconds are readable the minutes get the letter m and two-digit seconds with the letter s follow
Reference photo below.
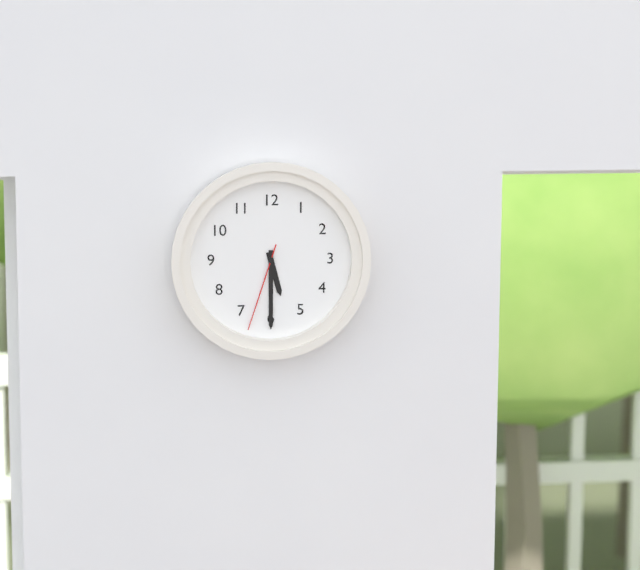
5h30m33s
